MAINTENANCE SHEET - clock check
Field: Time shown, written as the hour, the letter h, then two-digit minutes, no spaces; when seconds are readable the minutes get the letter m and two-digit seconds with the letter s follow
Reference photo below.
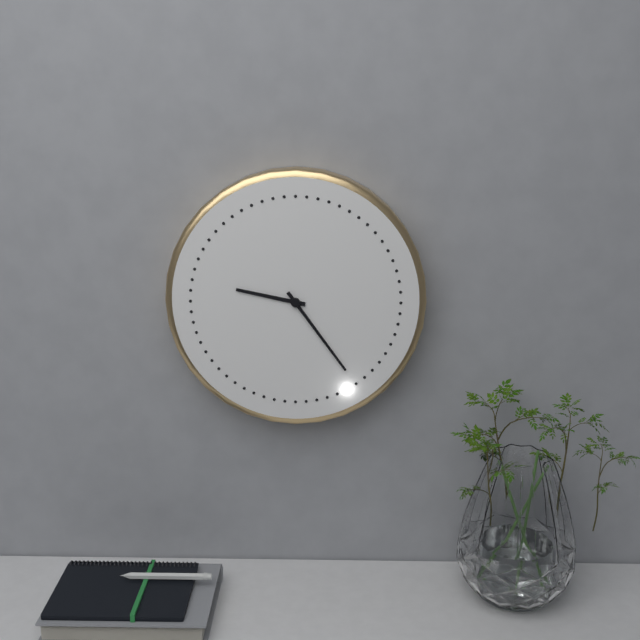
9h24
